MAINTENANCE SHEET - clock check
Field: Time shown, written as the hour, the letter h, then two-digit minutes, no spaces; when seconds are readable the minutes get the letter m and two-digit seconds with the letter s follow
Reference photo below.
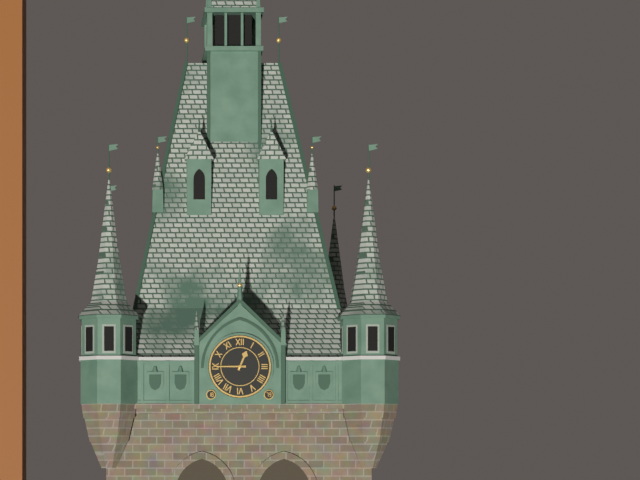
12h45
